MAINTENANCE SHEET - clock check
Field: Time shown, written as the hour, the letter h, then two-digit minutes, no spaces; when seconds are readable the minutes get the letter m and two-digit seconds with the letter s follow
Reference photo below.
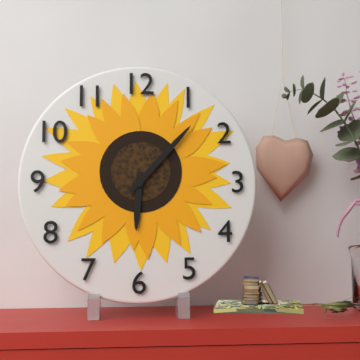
6h07
